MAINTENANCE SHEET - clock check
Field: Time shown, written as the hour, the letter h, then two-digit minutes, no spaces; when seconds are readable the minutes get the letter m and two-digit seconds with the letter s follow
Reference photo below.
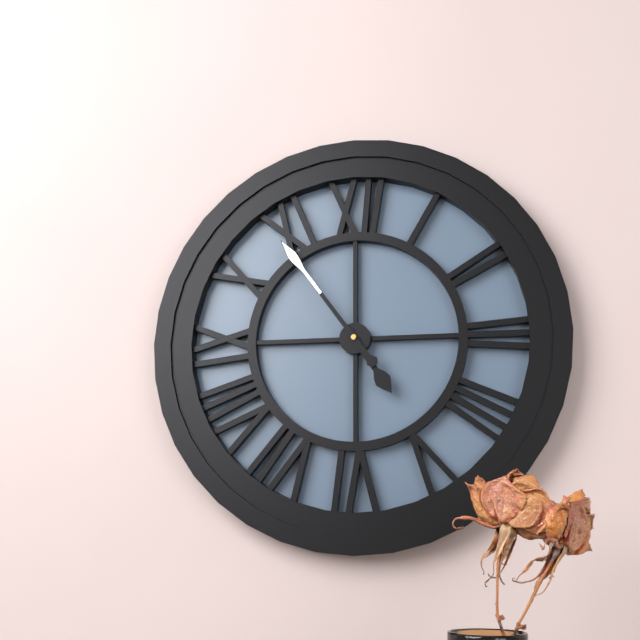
4h54
